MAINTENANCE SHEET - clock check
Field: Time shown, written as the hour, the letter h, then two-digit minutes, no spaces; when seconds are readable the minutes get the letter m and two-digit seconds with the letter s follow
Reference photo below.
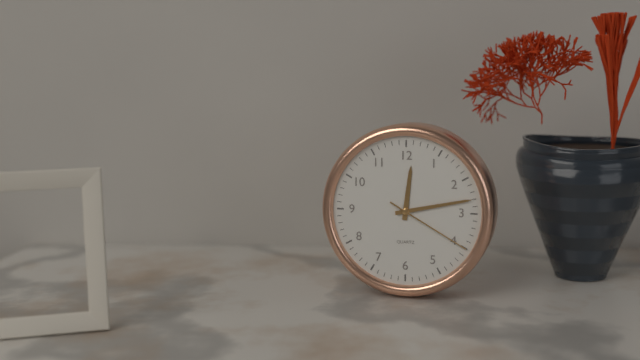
12h13m20s
